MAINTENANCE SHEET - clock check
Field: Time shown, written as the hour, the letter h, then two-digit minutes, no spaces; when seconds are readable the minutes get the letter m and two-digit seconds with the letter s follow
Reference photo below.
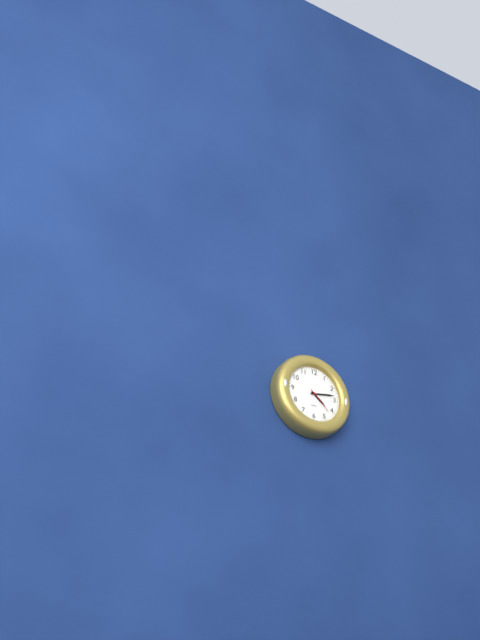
4h13
